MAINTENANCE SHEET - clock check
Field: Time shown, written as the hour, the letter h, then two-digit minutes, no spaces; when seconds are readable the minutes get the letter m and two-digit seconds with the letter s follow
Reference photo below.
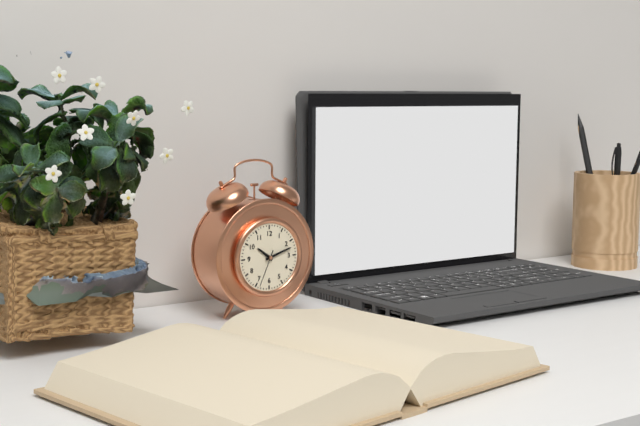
10h12
